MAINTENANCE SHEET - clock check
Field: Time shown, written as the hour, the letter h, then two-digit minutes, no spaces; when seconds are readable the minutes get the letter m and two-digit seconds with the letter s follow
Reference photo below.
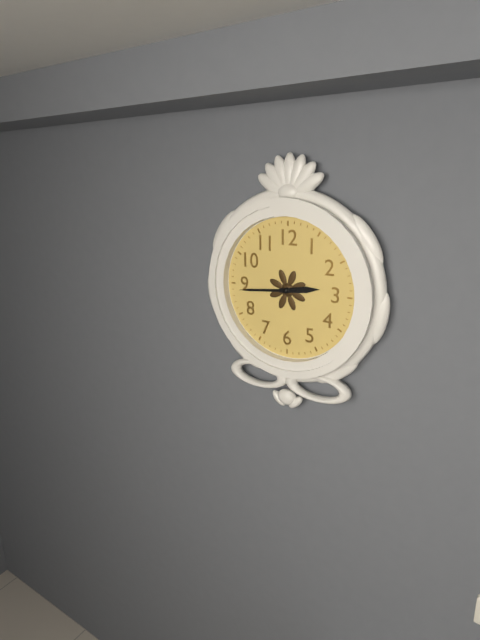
2h44
